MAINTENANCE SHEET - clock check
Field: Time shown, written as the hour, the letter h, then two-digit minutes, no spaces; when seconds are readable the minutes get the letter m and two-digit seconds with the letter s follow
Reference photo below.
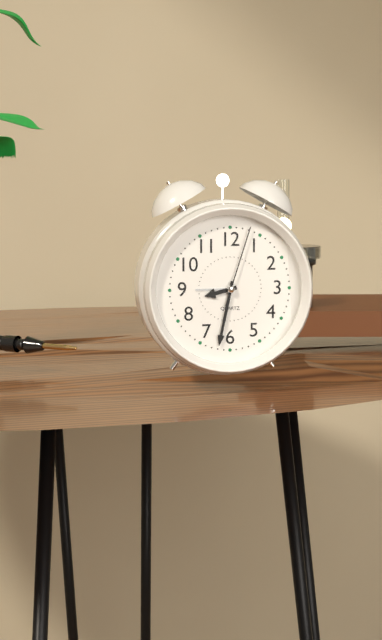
8h32m03s
